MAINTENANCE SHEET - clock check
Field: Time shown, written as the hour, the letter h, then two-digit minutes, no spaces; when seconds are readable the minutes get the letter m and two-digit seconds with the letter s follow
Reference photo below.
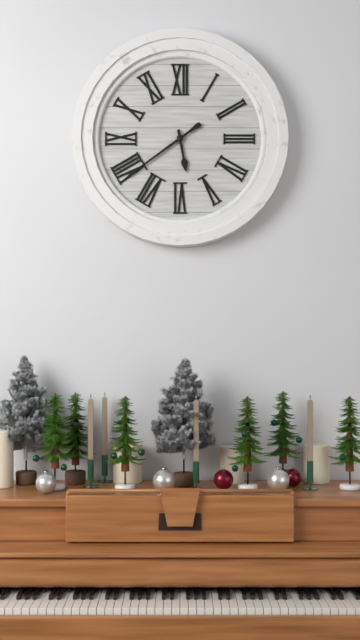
5h39
